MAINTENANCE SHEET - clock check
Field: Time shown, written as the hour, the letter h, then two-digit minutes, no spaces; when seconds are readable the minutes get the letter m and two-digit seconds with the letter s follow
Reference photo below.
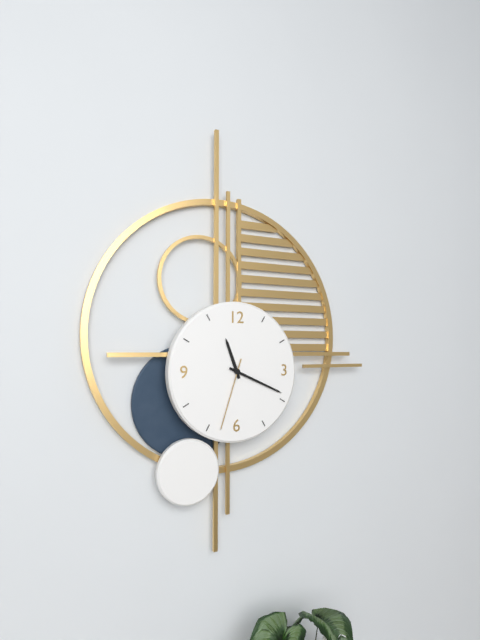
11h19m33s
